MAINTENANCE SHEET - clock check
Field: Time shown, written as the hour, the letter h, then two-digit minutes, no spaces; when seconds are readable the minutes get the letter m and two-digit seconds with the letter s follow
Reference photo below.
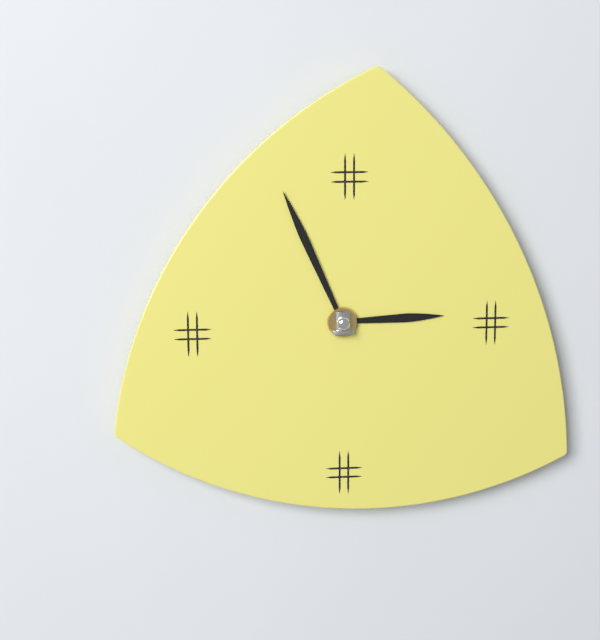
2h56
